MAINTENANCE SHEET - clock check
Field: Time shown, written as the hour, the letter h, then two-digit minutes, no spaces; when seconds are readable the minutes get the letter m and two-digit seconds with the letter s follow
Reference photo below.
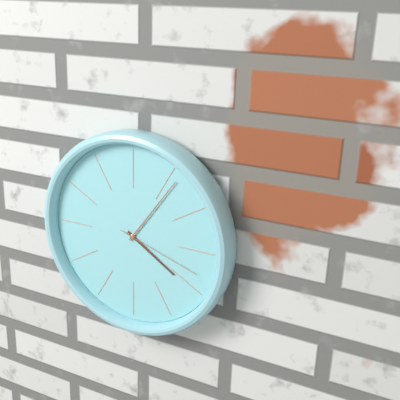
4h06m18s
